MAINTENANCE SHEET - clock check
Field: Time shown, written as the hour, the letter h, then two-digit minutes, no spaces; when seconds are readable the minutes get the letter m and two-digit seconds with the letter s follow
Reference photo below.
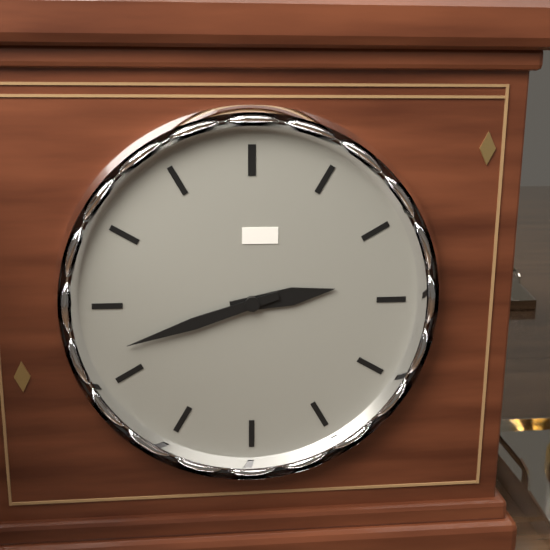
2h42
